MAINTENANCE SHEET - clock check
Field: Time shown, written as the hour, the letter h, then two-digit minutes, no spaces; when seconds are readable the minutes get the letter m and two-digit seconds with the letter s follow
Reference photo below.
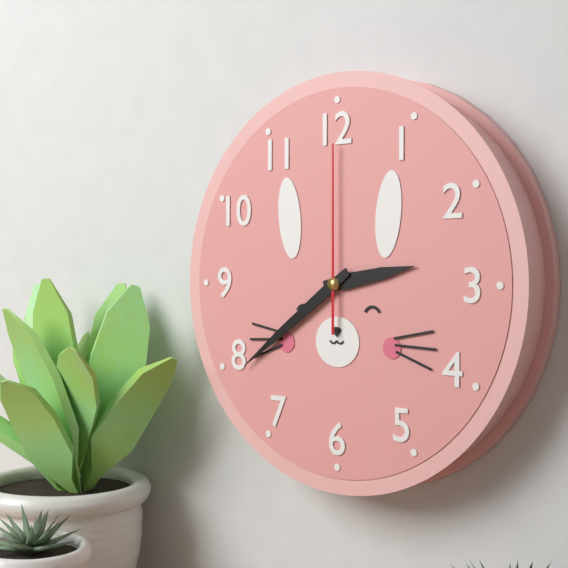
2h39m00s
